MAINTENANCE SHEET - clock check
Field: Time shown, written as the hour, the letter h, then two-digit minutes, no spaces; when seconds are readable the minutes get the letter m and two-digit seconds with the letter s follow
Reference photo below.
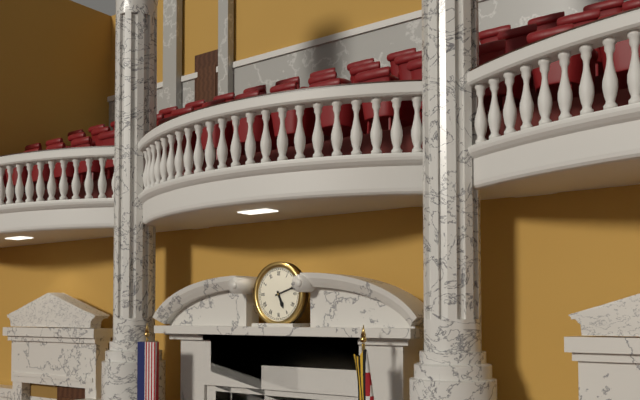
5h12
